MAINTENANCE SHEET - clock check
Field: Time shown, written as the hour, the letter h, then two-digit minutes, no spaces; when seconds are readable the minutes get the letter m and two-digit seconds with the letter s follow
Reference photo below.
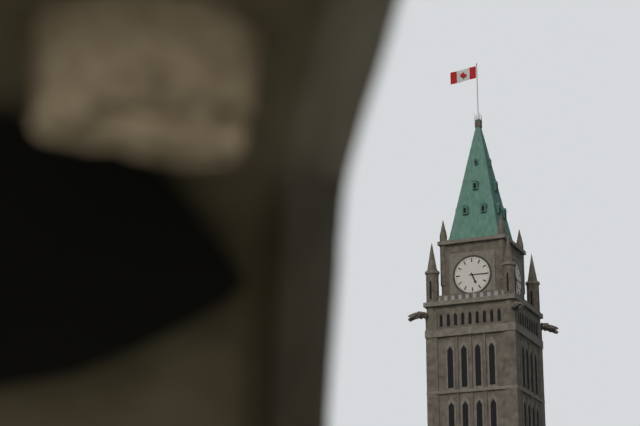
5h15
